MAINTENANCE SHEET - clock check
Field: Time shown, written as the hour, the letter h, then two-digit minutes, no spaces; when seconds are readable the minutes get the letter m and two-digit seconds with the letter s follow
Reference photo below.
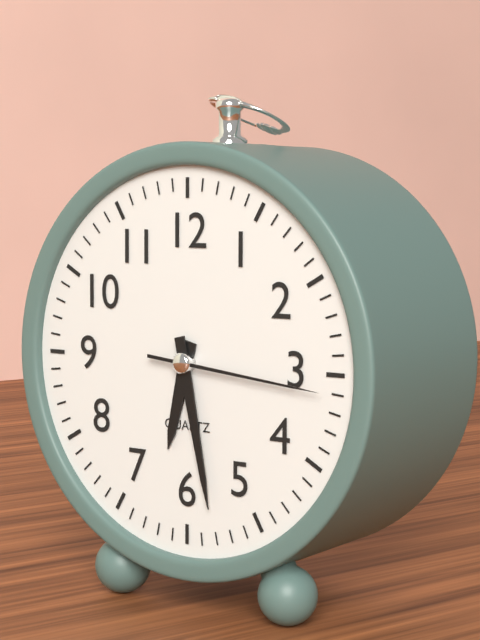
6h28m16s
